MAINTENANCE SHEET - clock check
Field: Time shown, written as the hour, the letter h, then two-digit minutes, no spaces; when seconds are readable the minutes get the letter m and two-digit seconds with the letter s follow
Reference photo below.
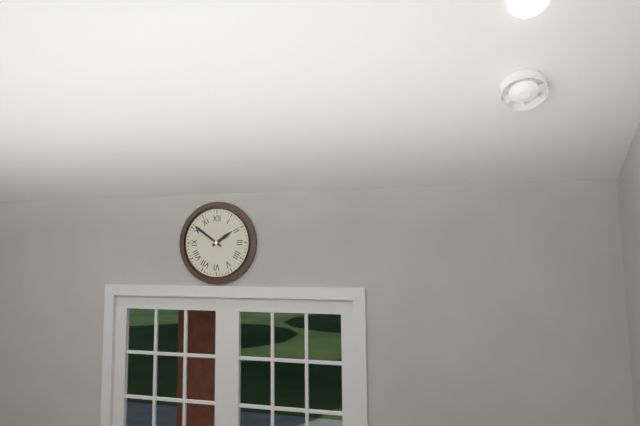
1h51
